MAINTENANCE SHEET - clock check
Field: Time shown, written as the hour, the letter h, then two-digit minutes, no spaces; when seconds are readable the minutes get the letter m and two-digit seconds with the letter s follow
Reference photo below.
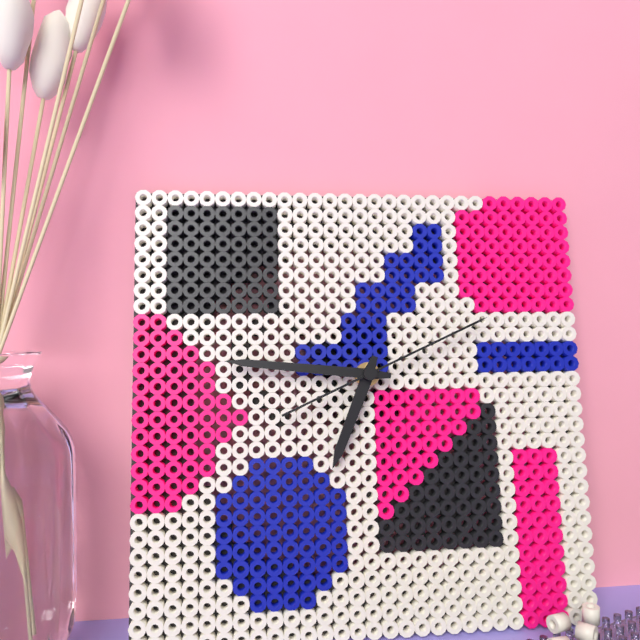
6h46m11s
